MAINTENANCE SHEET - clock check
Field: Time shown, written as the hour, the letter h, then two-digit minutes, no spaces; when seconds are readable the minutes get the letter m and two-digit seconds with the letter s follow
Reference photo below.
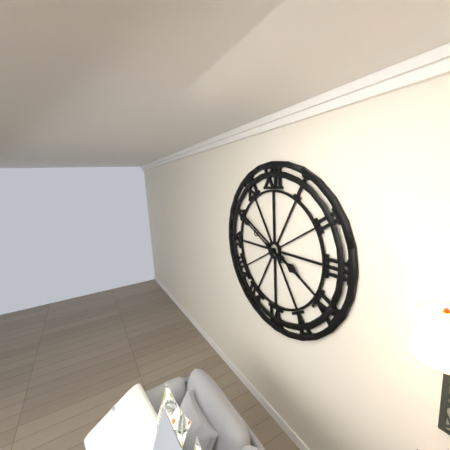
3h50
